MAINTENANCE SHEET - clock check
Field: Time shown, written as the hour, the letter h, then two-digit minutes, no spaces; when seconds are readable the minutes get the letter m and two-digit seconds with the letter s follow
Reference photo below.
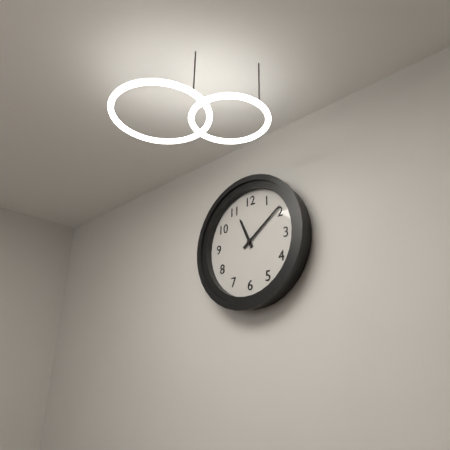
11h09
